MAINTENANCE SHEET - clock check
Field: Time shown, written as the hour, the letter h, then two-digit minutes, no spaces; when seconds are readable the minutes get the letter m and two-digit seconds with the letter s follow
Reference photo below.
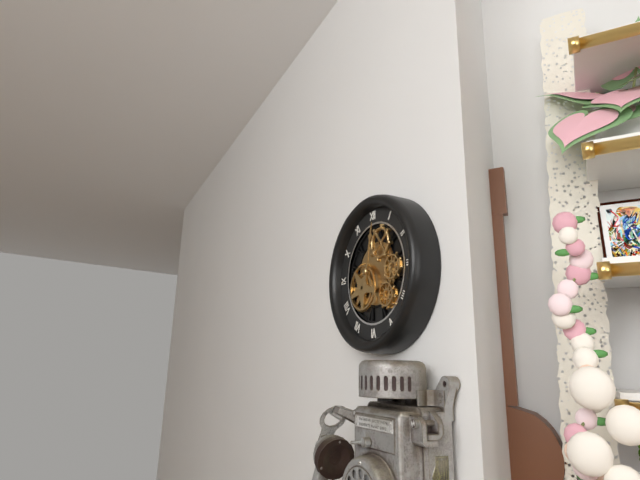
5h02
